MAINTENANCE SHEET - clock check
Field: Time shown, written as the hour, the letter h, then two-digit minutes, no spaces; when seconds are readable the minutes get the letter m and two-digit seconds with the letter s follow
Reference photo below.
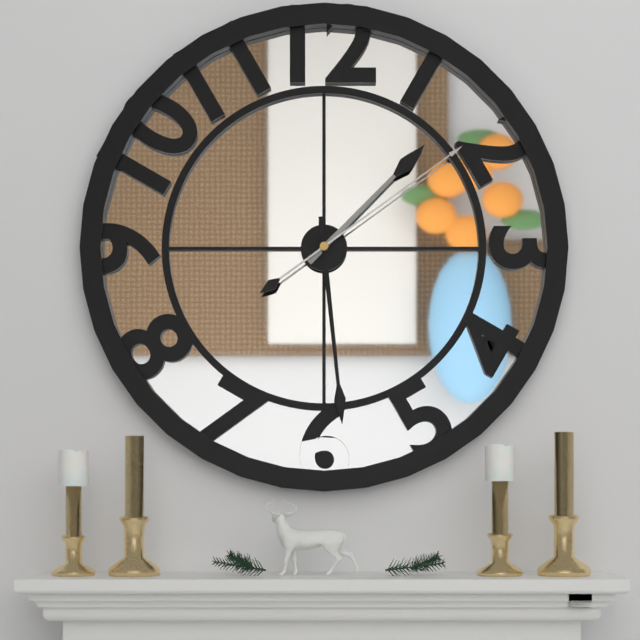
1h29m09s
